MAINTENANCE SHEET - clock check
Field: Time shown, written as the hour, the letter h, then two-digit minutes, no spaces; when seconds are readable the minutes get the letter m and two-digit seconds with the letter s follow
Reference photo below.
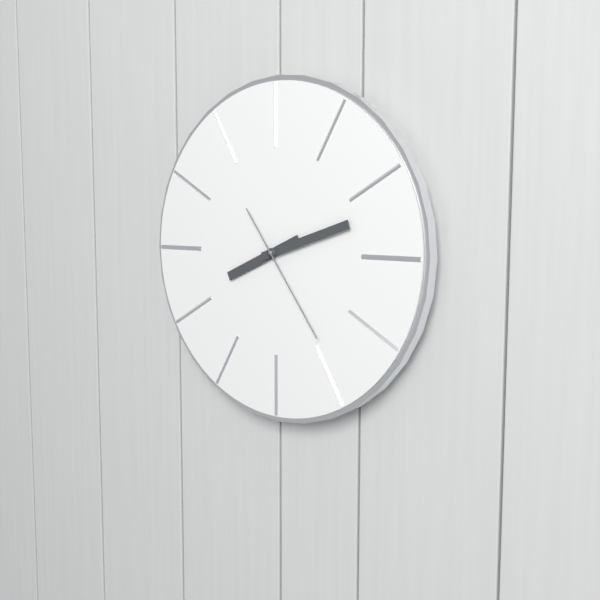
8h12m24s
